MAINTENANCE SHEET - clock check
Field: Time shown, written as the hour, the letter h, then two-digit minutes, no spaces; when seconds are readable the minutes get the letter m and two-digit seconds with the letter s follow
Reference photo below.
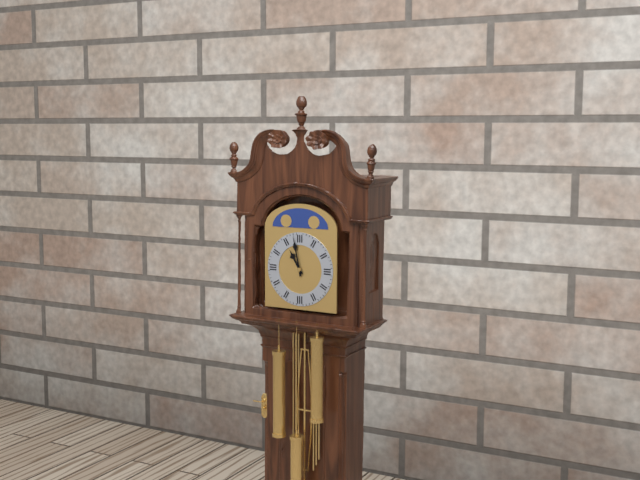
10h58
